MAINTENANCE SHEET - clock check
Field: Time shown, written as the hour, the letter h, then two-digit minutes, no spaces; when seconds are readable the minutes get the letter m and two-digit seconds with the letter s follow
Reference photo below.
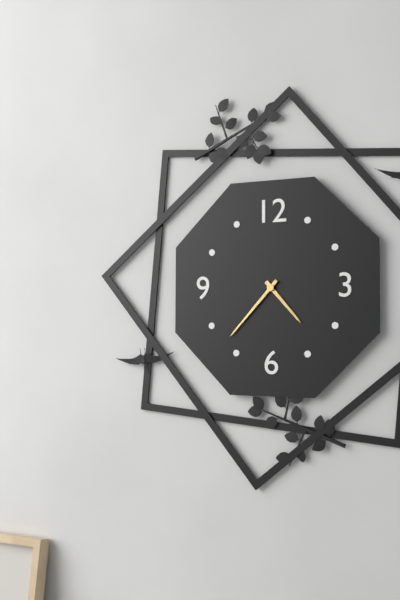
4h37
